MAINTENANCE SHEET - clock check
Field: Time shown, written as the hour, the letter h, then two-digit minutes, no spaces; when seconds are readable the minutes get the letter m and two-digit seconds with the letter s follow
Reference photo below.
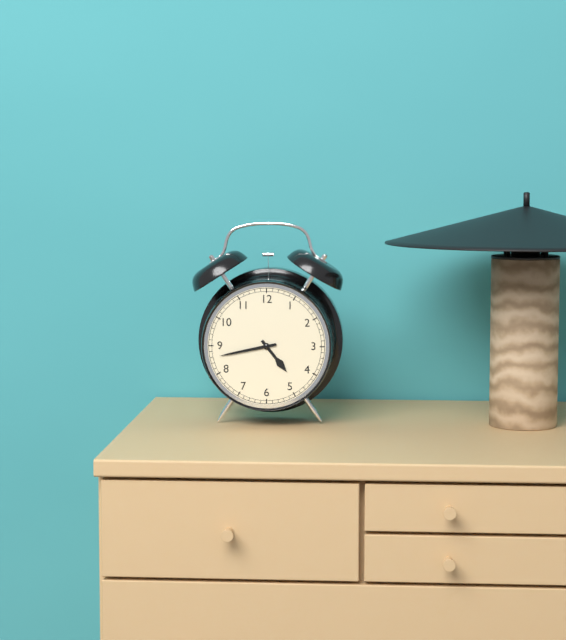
4h43
